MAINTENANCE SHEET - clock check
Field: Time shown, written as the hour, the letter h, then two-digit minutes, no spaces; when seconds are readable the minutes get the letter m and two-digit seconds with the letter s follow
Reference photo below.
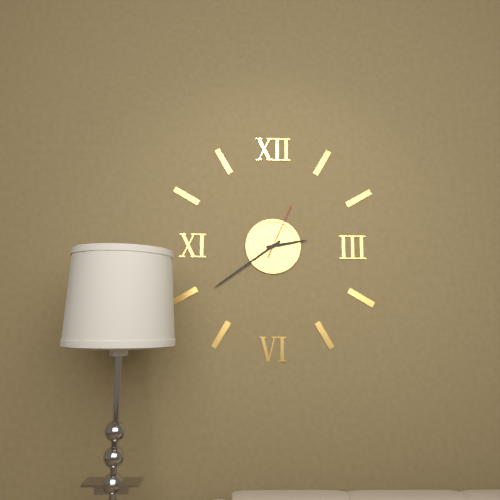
2h39m04s
